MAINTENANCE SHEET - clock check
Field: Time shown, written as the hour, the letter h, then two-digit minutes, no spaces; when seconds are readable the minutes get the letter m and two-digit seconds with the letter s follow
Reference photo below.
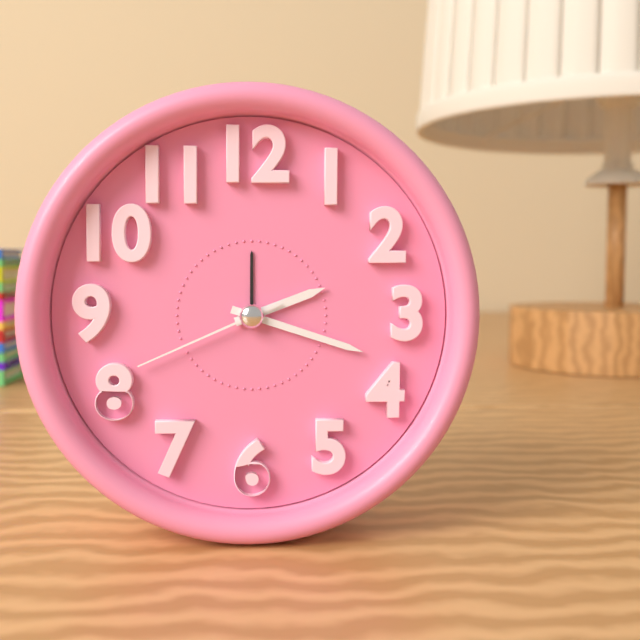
2h18m41s
